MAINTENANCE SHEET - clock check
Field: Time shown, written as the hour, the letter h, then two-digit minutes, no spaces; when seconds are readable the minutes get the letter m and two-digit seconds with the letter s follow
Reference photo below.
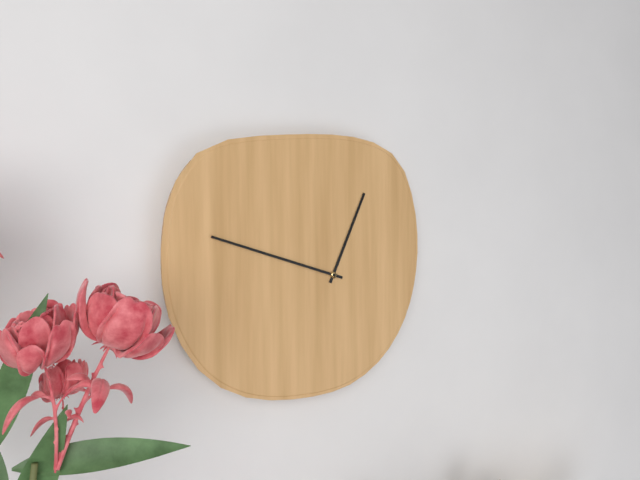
12h48
